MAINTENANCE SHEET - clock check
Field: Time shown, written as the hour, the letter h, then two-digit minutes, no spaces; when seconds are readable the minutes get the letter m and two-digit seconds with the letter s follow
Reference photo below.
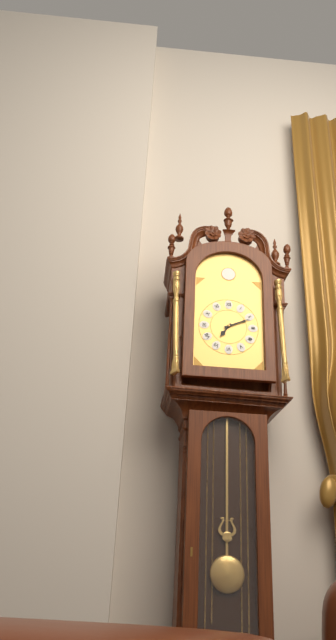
7h11
